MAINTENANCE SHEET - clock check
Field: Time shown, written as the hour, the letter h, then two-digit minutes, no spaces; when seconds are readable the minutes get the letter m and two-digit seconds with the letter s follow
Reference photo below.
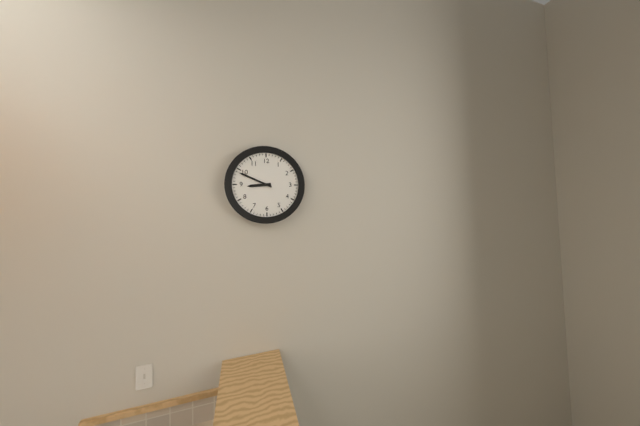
8h49
